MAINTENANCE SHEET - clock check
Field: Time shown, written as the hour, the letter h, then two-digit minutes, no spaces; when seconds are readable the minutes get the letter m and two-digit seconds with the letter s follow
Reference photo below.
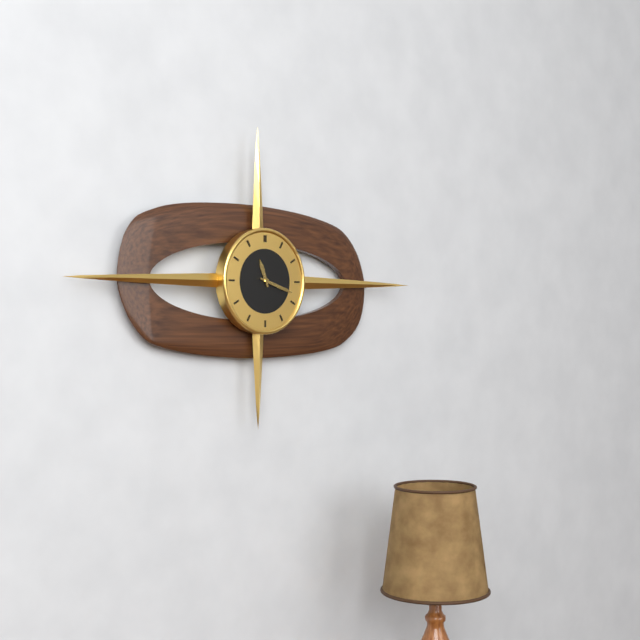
11h18
